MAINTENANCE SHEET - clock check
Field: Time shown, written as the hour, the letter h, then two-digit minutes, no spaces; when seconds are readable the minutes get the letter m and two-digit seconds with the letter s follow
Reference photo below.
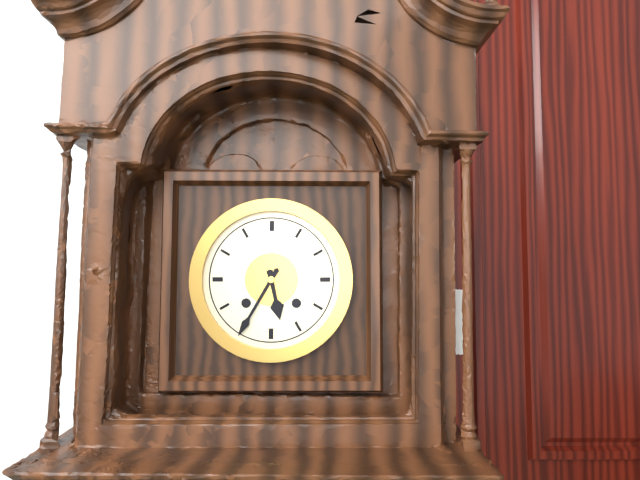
5h35
